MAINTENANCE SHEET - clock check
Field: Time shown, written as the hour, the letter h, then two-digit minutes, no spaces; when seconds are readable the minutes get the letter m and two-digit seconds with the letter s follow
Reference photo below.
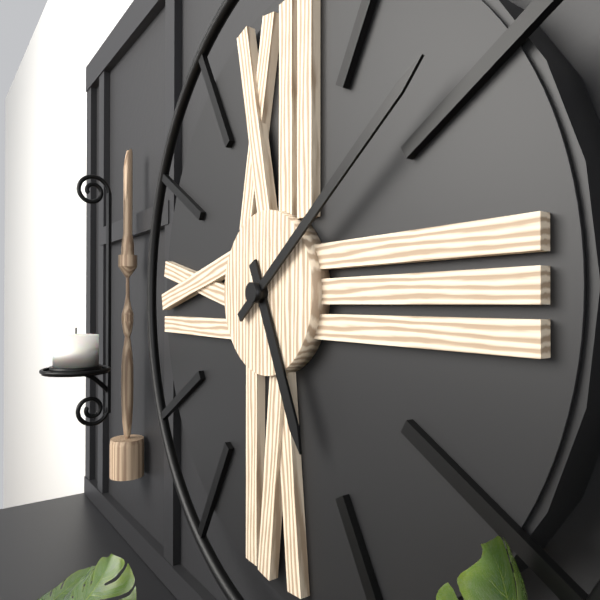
5h09
